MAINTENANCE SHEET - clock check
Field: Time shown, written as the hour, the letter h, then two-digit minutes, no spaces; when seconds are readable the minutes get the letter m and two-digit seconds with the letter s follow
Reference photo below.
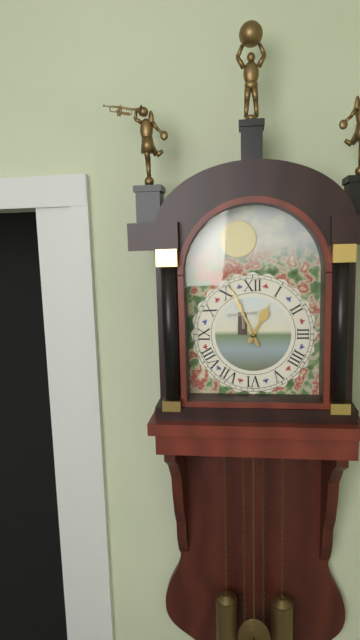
12h56
